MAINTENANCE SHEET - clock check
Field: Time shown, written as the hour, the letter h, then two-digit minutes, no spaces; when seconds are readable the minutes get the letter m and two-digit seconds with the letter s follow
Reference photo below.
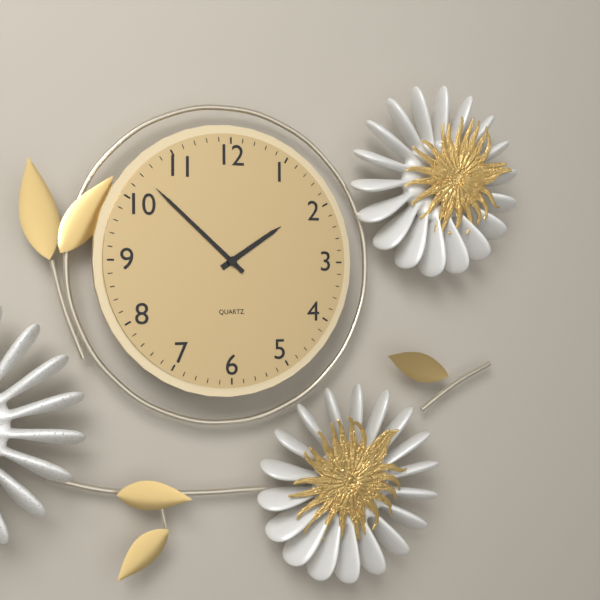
1h52
